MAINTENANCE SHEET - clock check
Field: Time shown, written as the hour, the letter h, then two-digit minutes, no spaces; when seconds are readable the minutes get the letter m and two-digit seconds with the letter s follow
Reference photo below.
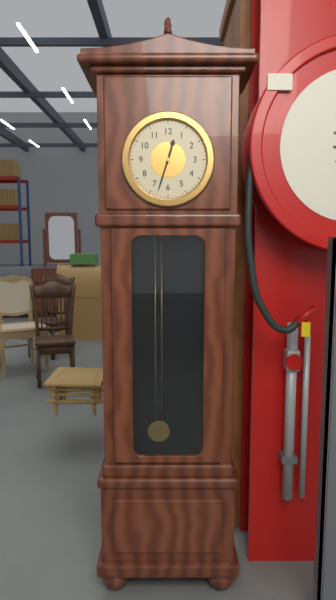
12h33
